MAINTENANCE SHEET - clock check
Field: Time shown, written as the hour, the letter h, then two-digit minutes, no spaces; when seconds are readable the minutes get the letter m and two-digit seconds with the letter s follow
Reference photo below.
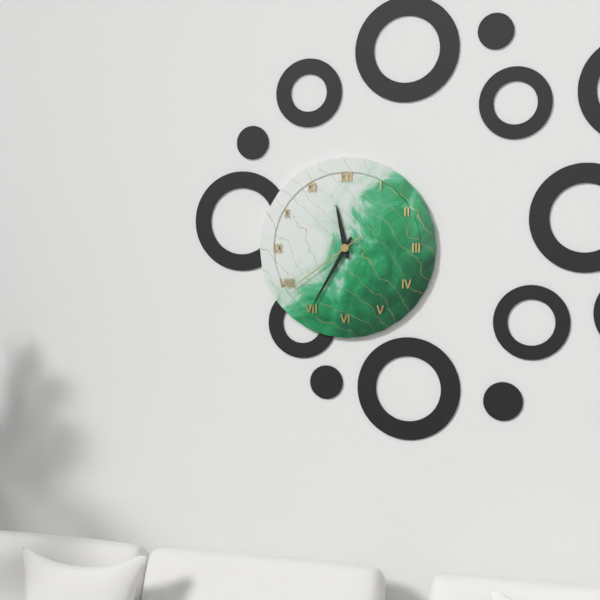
11h35m39s
